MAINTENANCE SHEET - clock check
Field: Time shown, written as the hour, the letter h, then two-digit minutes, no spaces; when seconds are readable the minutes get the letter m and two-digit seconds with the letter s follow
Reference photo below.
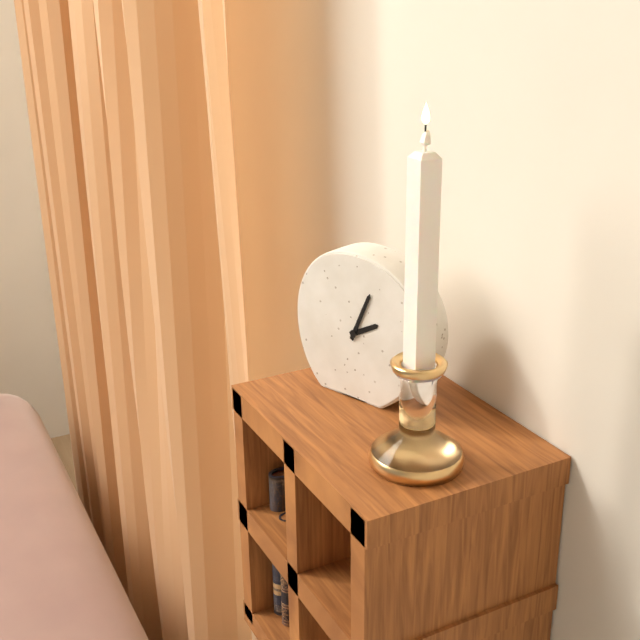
2h04
